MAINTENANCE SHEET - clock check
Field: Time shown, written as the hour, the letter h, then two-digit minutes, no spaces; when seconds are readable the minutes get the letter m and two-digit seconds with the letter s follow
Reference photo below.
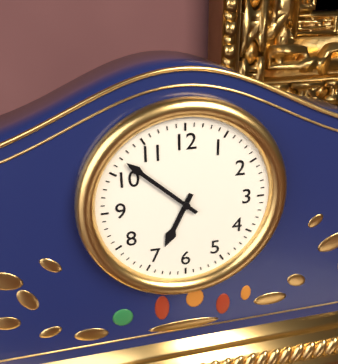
6h52
